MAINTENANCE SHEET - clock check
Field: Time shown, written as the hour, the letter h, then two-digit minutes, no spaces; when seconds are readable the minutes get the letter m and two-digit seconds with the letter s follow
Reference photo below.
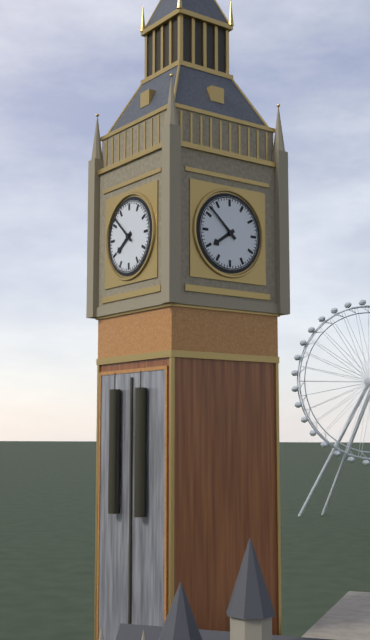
7h52
